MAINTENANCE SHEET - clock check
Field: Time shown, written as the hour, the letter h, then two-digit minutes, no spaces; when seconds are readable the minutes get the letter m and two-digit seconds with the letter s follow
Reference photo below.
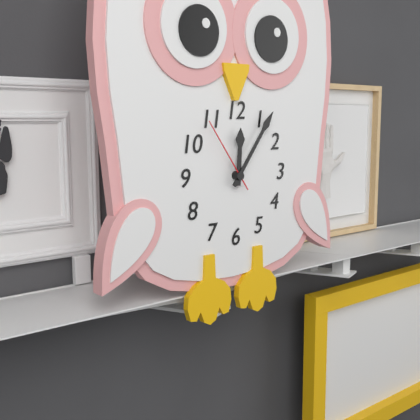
12h06m54s
